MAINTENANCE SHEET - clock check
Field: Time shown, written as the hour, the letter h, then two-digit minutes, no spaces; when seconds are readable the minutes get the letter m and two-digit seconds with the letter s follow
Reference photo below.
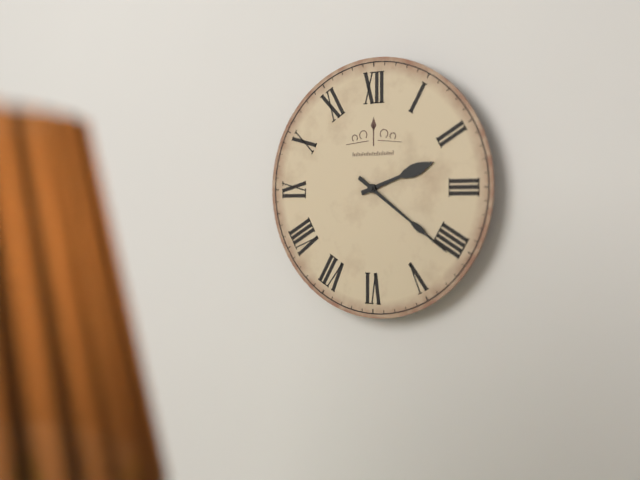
2h21
